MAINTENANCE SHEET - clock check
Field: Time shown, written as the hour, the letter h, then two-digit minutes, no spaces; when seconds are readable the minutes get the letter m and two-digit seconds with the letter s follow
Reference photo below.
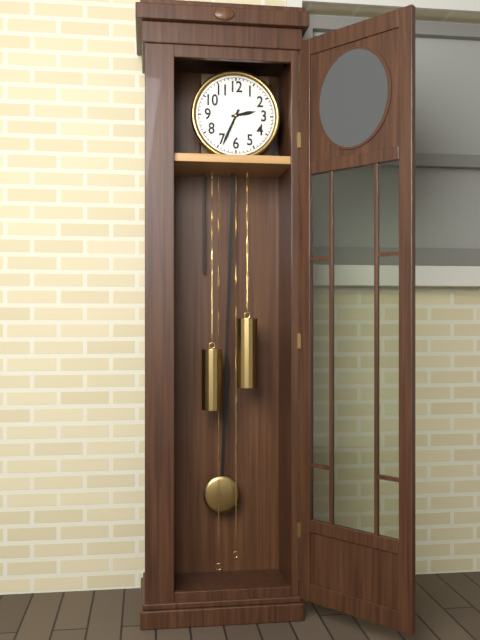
2h34
